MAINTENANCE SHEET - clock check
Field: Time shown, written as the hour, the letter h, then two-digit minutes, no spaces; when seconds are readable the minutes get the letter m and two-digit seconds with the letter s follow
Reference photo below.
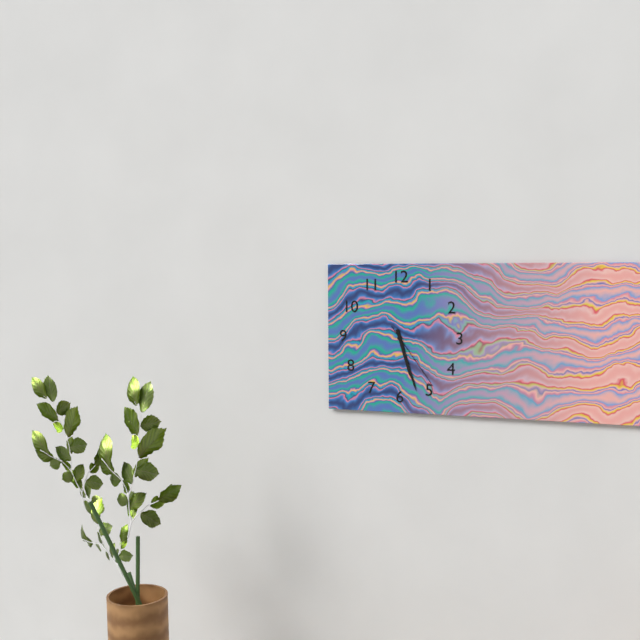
5h27m24s
